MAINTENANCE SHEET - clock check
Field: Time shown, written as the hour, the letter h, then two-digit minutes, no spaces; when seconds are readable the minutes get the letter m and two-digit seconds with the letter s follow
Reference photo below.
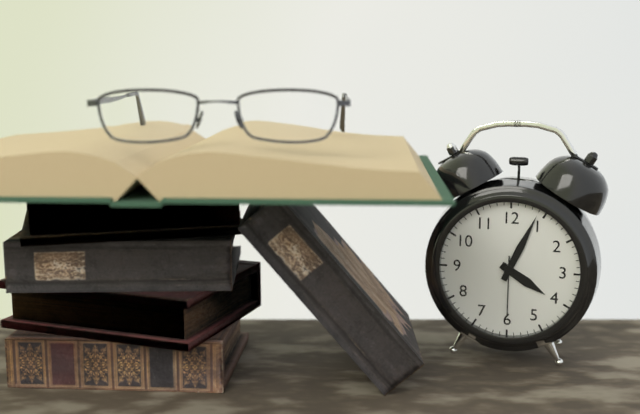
4h04m30s
